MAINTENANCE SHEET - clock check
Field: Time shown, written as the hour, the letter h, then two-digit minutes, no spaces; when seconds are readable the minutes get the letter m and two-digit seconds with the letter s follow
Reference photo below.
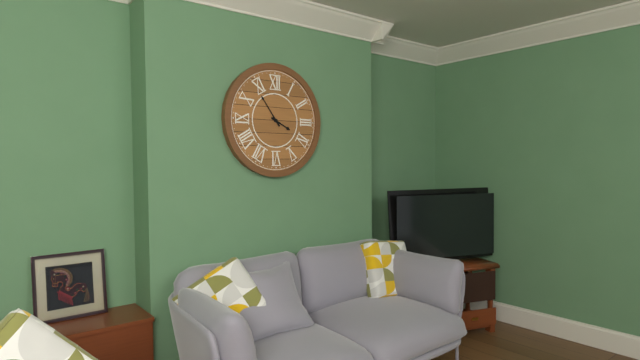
3h54
